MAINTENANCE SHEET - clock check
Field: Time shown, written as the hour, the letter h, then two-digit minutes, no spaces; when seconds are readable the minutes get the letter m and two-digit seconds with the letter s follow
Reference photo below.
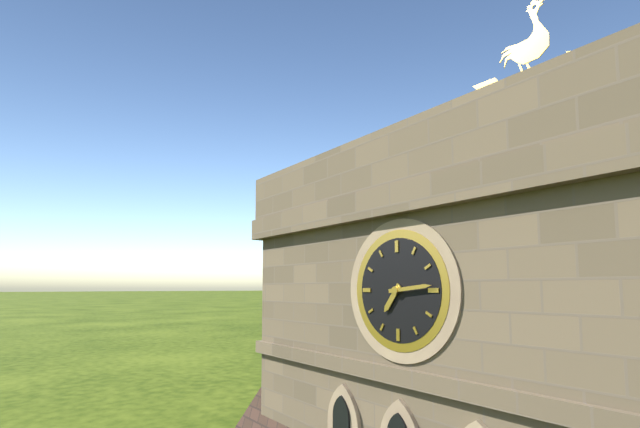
7h14
